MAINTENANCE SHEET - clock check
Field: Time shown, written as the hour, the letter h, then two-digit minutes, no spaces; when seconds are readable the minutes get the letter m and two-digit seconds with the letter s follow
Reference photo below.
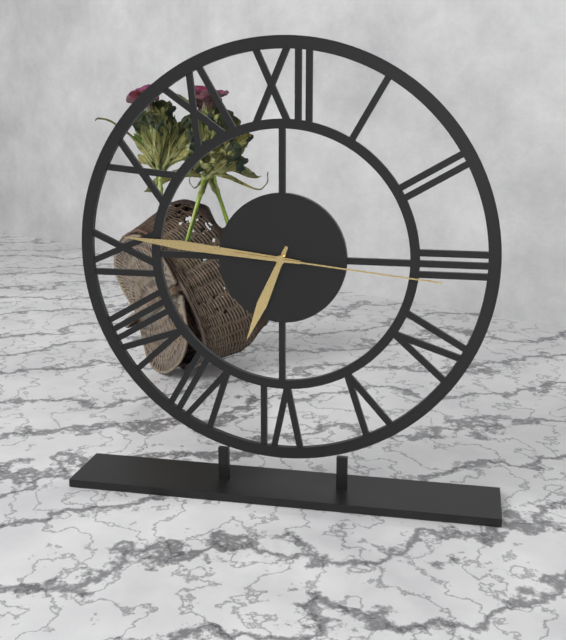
6h46m16s
